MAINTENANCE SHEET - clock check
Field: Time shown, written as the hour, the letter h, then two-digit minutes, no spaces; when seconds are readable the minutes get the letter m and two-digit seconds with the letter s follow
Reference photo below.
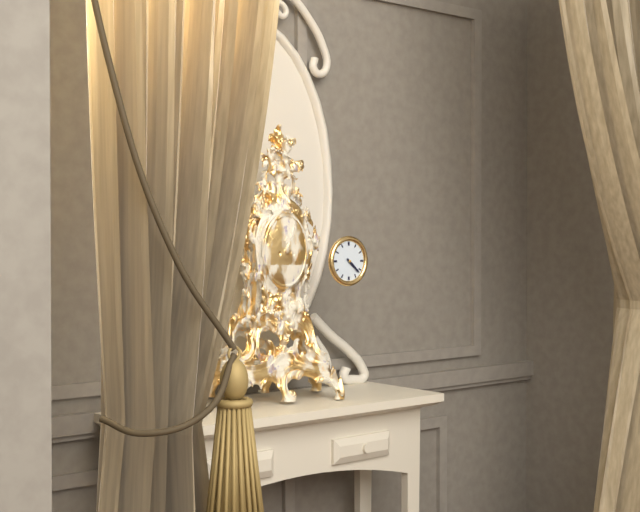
4h22
